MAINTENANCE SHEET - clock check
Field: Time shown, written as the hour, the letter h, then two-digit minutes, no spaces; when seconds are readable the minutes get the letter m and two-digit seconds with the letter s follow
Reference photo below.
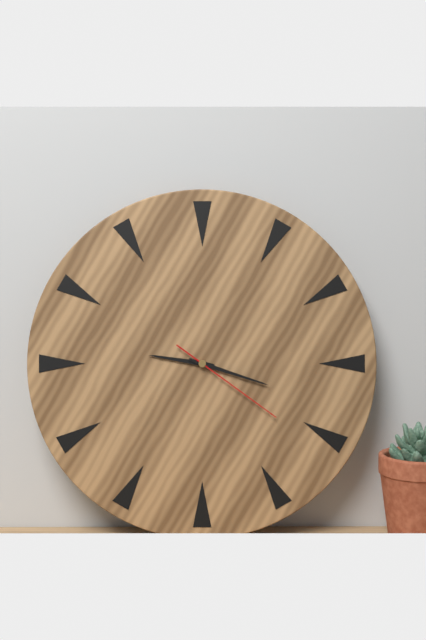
9h18m21s
